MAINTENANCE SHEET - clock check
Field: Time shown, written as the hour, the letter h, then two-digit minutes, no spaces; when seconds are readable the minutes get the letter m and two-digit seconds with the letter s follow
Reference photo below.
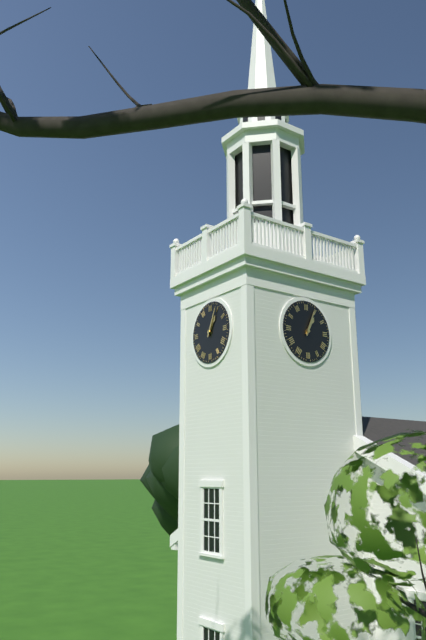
1h04
